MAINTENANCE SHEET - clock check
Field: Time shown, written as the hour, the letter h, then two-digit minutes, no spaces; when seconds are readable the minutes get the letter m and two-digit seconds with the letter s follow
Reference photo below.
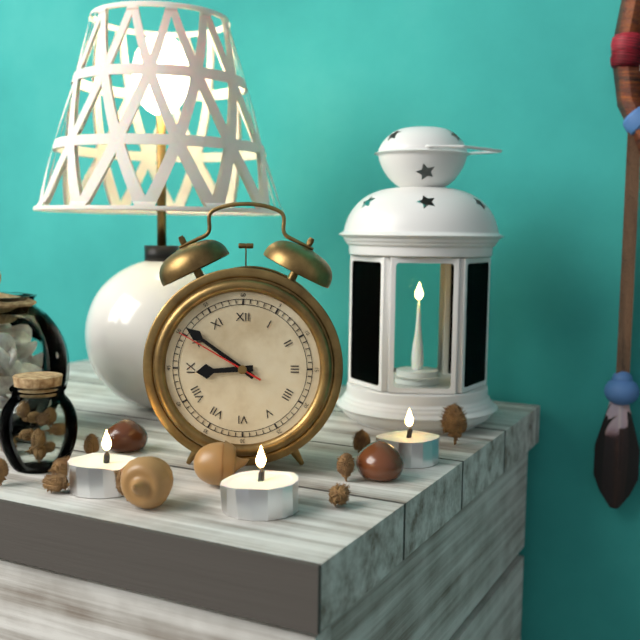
8h51m50s
